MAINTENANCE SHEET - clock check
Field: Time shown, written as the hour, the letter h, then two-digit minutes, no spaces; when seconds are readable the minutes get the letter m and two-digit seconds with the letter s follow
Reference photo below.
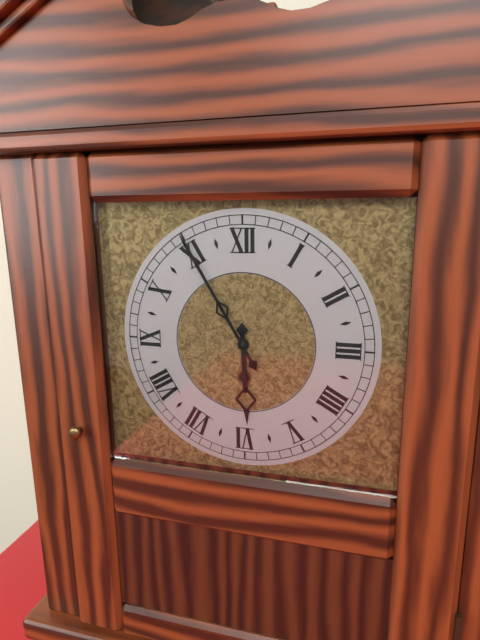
5h55
